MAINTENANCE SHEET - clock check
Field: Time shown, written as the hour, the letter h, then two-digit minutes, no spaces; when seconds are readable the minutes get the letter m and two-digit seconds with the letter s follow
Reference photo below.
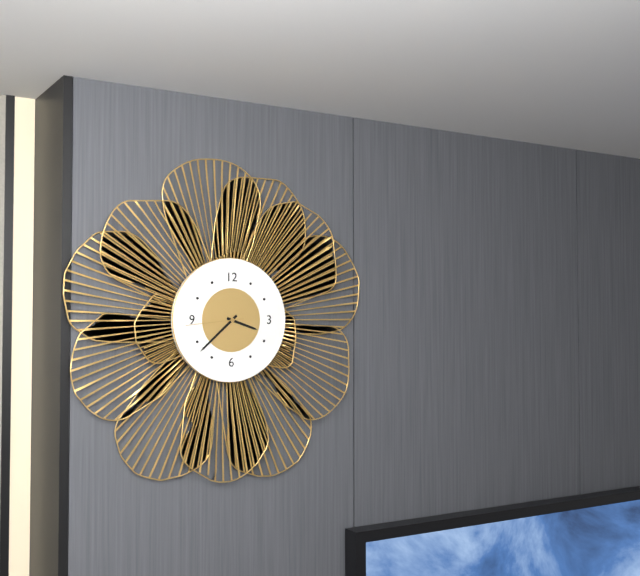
3h38m44s
